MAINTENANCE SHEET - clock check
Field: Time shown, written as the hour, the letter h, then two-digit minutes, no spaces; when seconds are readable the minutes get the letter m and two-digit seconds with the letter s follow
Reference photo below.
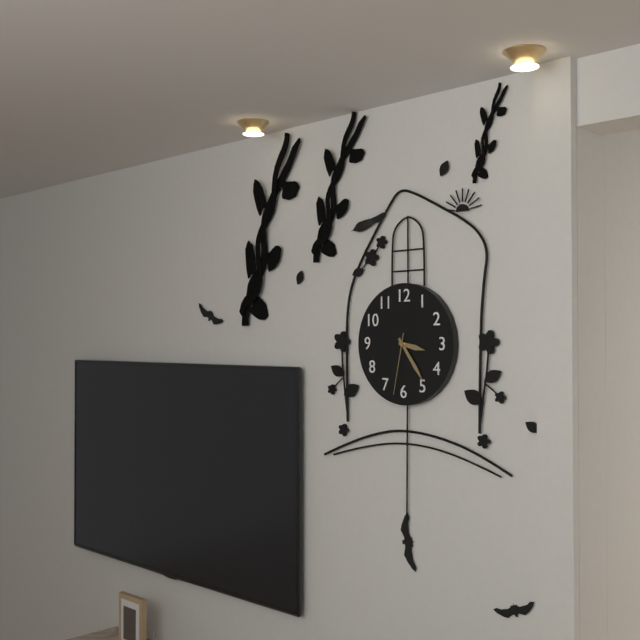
3h24m32s
